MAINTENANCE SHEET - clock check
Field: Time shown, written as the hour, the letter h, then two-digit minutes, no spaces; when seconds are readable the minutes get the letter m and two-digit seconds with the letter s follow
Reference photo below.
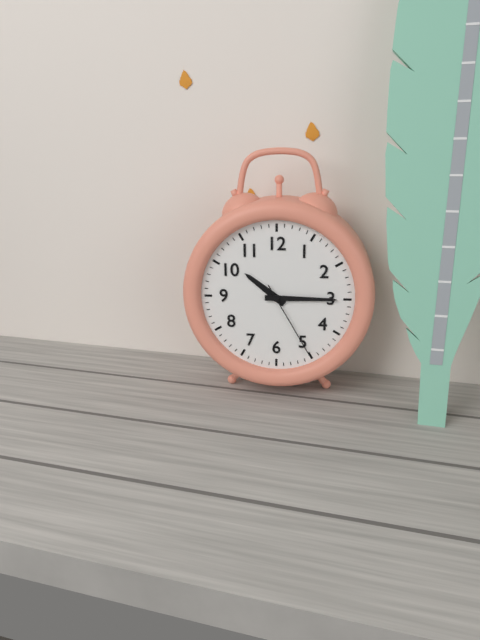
10h15m25s
